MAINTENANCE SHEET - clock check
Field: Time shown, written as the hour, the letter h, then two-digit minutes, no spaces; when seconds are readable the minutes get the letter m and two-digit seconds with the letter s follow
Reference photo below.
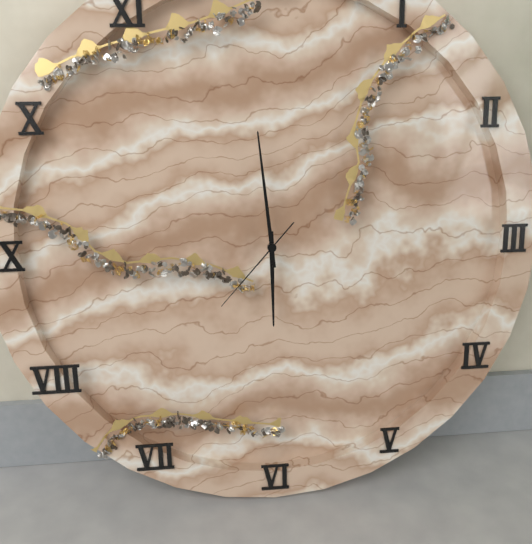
5h59m37s
